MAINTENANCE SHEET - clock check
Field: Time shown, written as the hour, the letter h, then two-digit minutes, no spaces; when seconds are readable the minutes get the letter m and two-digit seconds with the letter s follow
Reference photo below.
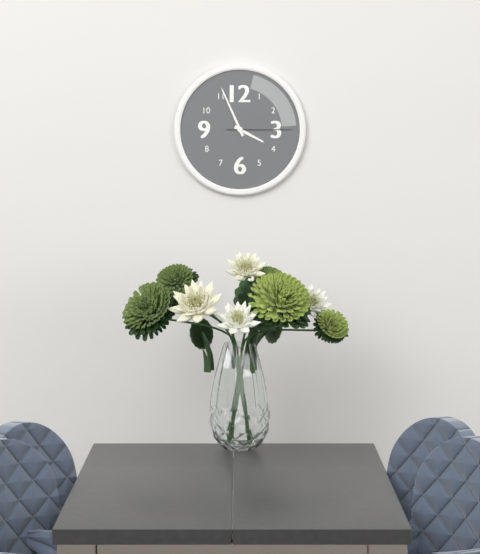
3h56m15s
